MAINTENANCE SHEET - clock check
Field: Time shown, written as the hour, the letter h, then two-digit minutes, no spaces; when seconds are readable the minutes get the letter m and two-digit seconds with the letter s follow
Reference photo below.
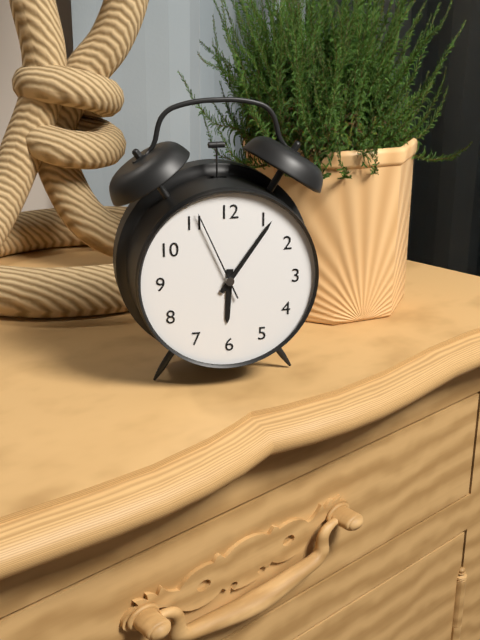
6h06m56s
